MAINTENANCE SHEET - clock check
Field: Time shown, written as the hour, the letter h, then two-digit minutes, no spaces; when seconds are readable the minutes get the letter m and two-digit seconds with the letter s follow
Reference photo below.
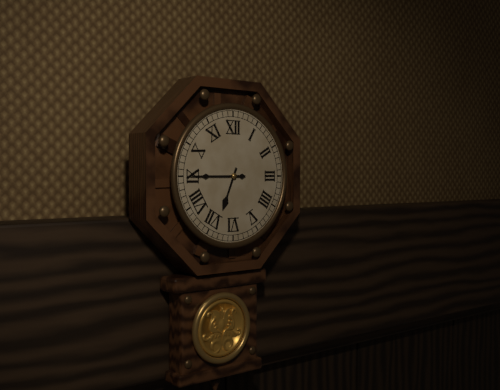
6h45
